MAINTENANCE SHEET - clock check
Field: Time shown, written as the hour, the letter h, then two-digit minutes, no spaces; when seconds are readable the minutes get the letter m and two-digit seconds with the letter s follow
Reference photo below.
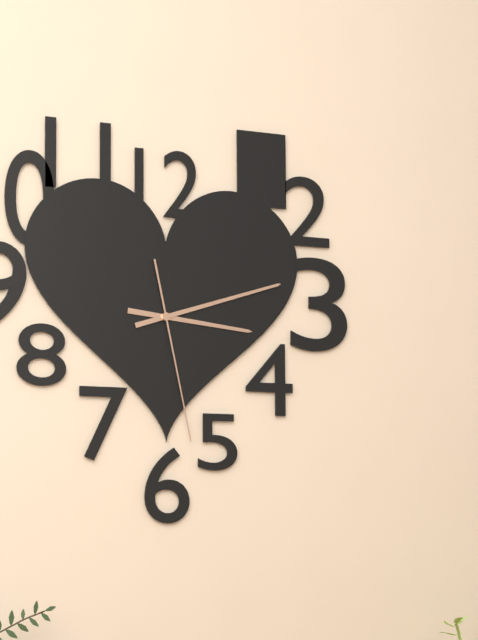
3h12m28s
